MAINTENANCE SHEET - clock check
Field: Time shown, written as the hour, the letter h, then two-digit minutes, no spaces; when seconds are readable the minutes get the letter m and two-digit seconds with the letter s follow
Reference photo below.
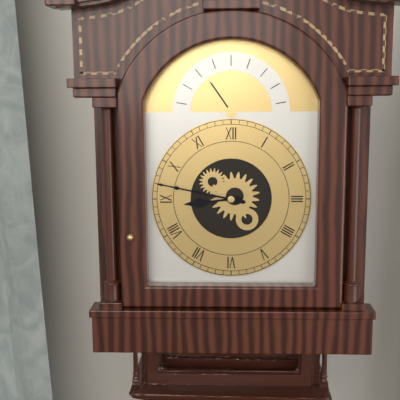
8h47
